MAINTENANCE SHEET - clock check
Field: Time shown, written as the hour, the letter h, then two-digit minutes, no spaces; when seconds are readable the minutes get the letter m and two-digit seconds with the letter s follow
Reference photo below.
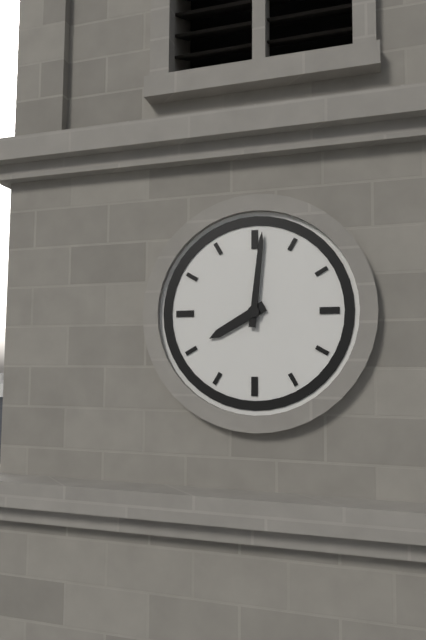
8h01
